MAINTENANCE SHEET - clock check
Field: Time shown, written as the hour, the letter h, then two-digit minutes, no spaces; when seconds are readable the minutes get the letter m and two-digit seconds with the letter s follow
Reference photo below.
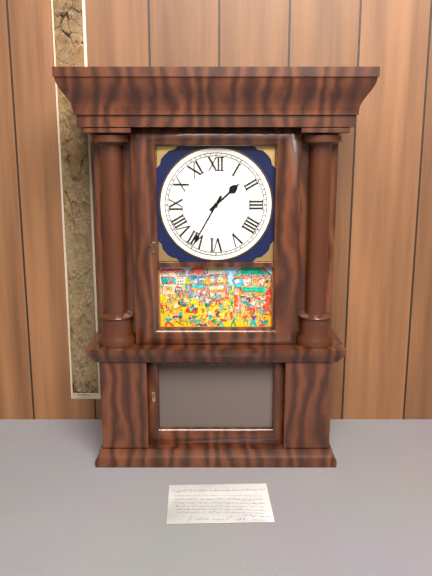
1h35
